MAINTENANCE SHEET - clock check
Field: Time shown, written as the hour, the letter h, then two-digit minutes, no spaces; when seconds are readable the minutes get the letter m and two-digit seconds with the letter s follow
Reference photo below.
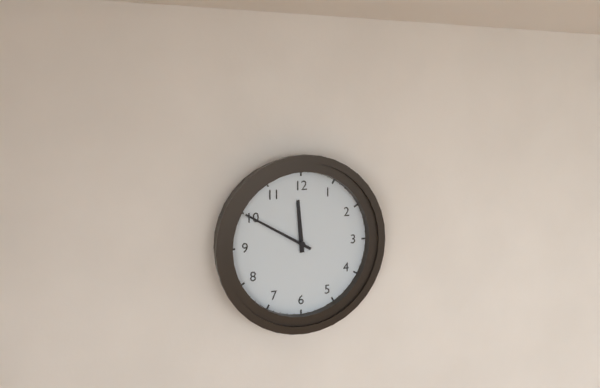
11h50
